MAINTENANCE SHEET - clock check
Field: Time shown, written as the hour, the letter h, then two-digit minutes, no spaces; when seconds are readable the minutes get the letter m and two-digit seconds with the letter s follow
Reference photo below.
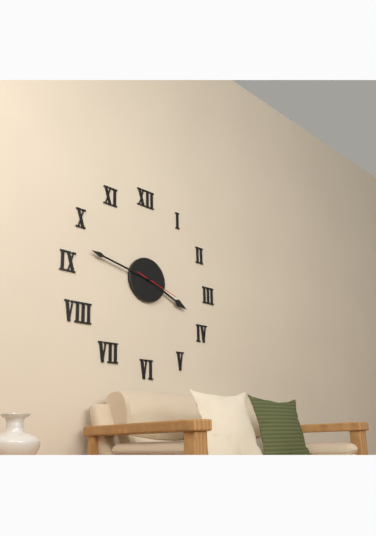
3h47
